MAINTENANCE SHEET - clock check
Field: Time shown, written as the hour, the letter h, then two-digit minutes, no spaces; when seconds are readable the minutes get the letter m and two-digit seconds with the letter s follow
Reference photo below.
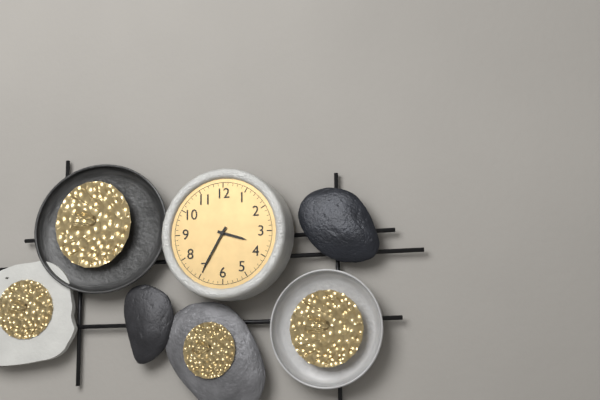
3h35
